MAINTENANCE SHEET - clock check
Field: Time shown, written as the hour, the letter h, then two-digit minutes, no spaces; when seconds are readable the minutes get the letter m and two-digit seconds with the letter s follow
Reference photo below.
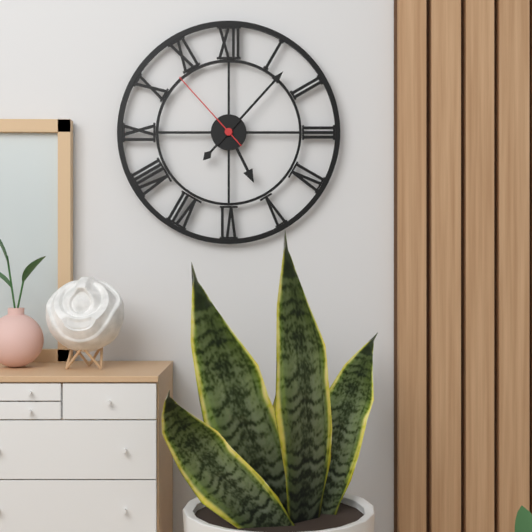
5h07m53s
